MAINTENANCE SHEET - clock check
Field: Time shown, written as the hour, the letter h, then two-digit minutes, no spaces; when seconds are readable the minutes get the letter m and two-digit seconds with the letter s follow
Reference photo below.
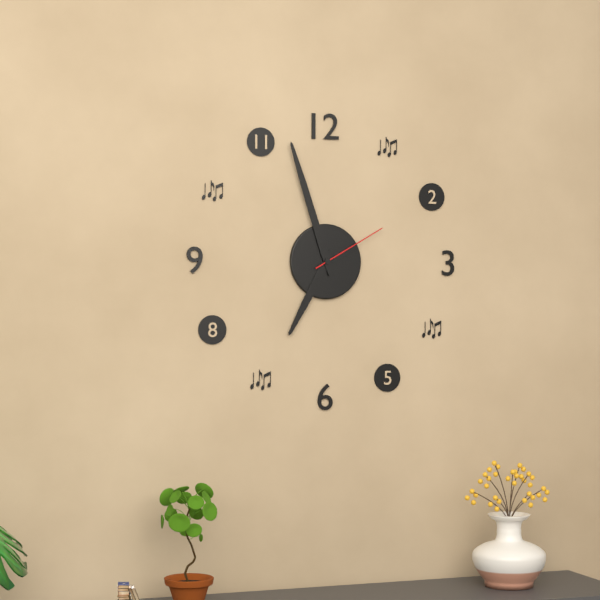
6h57m10s
